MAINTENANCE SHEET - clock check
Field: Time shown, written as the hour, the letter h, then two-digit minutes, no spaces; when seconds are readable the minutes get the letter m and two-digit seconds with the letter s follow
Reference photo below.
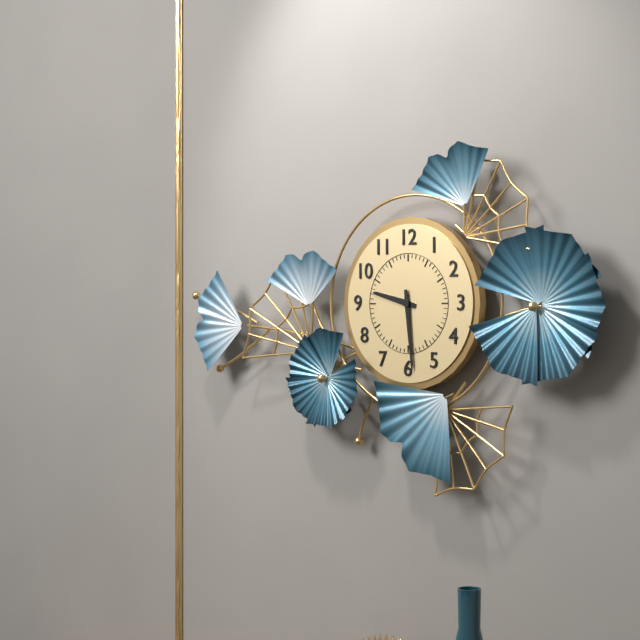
9h29
